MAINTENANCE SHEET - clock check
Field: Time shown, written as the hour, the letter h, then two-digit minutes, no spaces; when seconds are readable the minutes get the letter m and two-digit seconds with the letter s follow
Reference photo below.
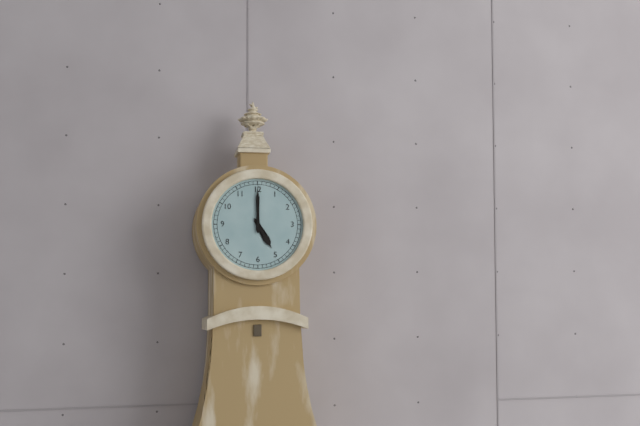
5h00
